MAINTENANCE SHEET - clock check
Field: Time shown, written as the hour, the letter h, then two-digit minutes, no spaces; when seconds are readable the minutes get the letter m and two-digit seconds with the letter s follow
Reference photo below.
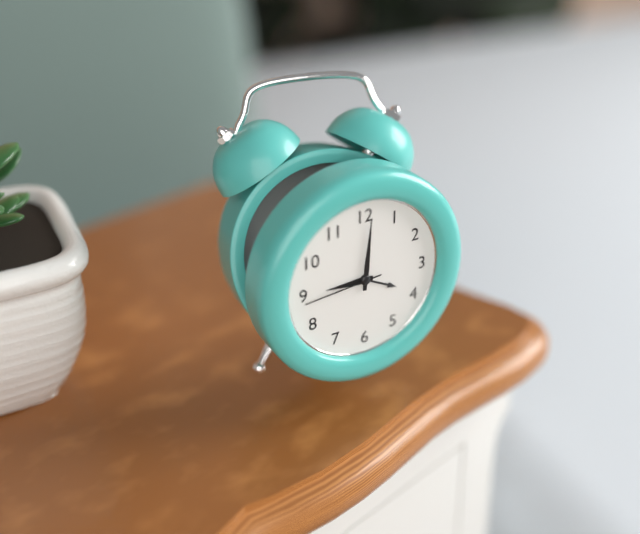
9h01m44s
